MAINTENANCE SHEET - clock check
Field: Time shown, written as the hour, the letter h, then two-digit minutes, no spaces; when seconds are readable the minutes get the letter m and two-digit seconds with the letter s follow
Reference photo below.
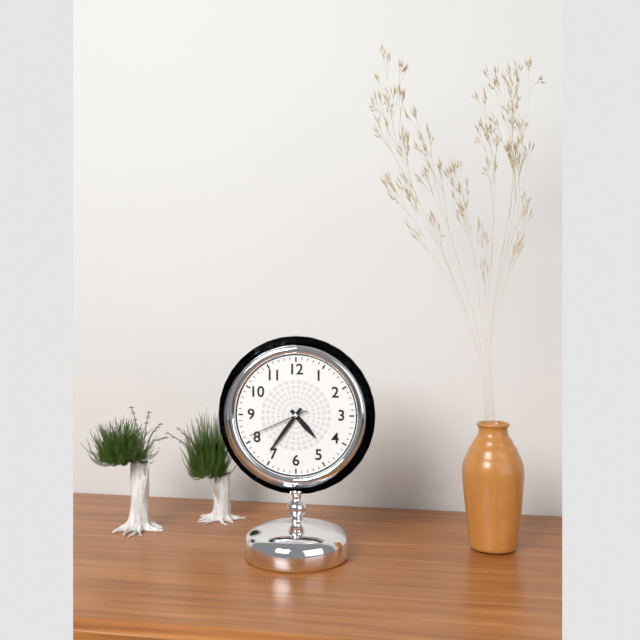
4h36m41s
